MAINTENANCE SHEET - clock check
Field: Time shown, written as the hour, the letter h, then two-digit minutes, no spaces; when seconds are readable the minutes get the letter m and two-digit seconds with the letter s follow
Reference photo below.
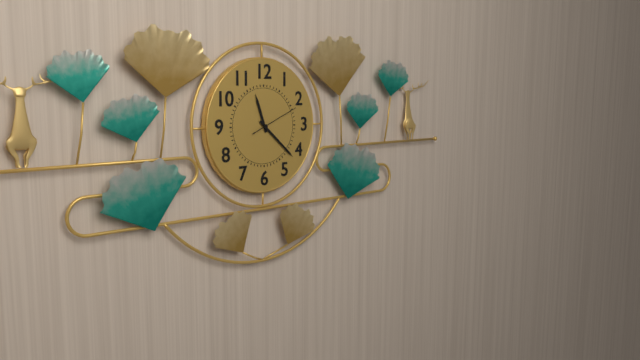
11h22
